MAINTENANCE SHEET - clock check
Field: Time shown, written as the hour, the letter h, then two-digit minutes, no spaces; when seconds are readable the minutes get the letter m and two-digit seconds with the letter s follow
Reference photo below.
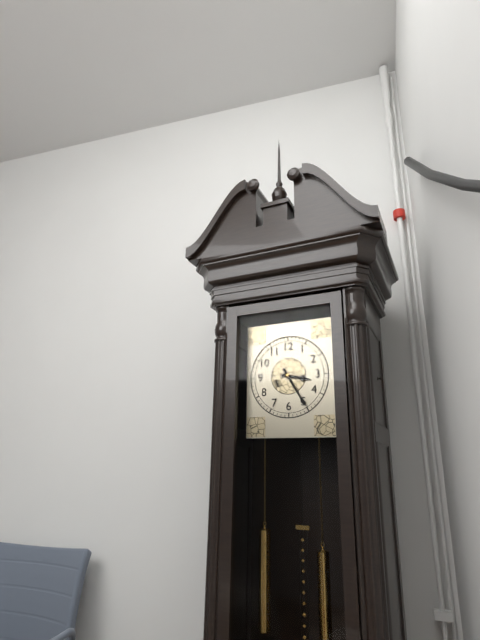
3h25
